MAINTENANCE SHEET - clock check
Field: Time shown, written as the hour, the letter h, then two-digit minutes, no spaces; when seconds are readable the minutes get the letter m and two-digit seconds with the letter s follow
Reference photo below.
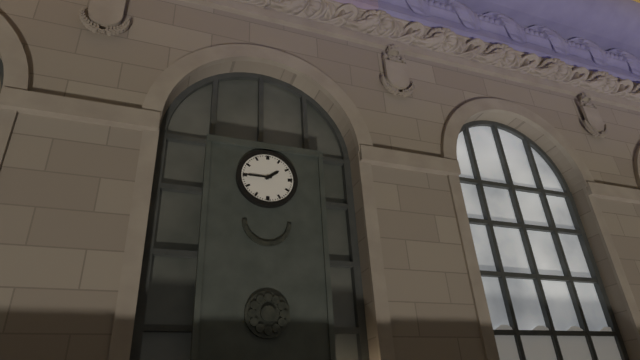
1h45
